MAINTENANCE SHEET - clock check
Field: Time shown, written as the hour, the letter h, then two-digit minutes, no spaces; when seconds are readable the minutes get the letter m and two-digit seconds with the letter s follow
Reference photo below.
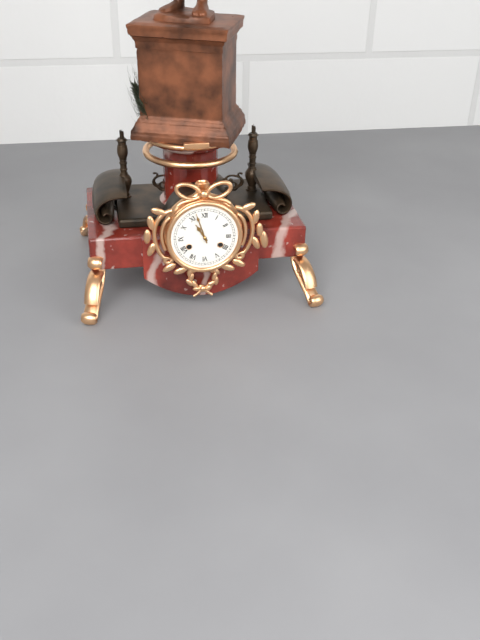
10h57
